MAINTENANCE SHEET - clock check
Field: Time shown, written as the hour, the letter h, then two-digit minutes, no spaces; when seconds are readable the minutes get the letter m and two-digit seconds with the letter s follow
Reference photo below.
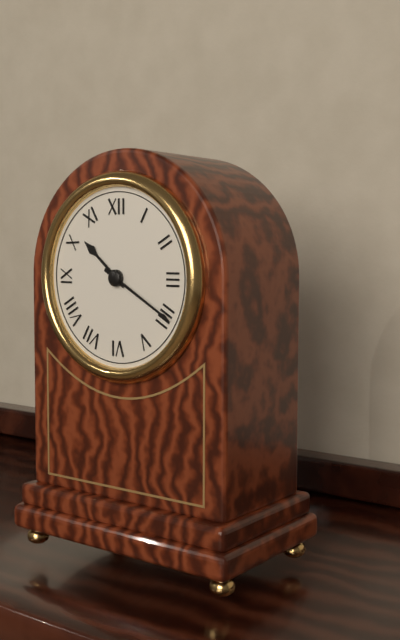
10h20
